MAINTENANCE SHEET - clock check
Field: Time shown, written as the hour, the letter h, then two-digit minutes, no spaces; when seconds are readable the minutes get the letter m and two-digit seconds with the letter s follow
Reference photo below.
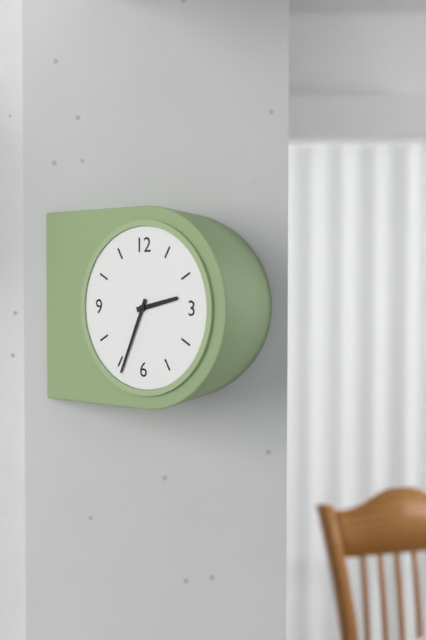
2h34
